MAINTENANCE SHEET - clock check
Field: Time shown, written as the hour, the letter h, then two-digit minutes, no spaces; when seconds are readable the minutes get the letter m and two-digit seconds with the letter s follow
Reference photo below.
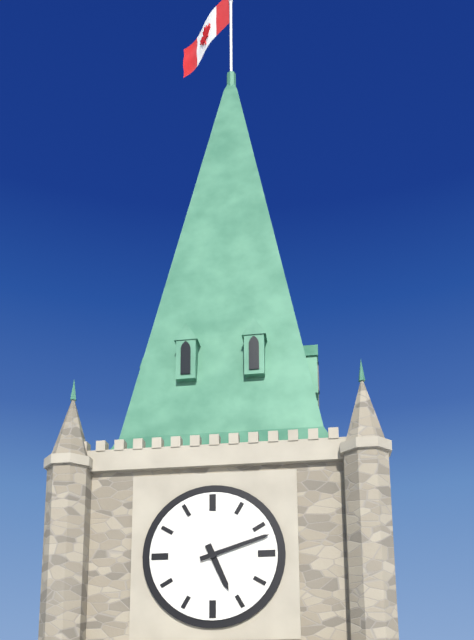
5h12
